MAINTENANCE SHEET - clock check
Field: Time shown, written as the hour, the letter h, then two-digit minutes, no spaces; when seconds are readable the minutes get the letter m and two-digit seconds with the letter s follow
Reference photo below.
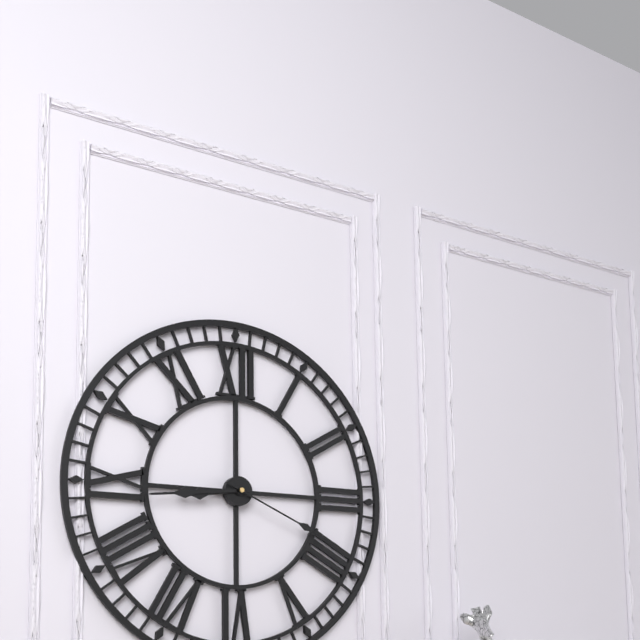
8h44m19s
